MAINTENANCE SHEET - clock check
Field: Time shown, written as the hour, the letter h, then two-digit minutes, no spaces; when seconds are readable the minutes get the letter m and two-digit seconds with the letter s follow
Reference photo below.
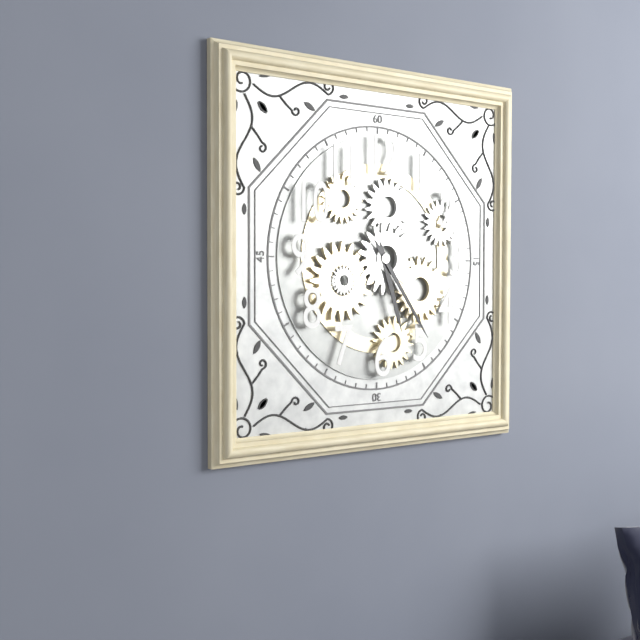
5h24
